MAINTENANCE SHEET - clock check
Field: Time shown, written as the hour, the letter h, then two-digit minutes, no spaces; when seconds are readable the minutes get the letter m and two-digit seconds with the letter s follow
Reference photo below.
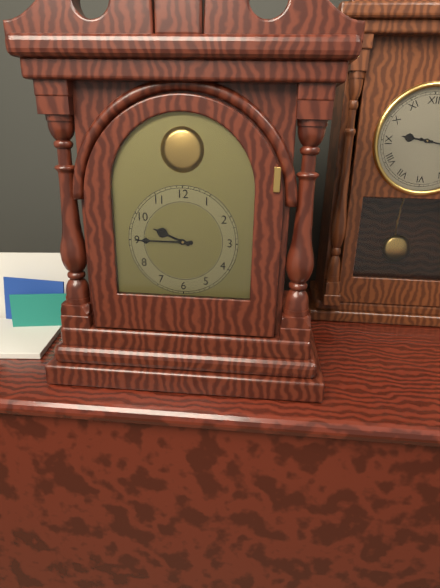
9h45
